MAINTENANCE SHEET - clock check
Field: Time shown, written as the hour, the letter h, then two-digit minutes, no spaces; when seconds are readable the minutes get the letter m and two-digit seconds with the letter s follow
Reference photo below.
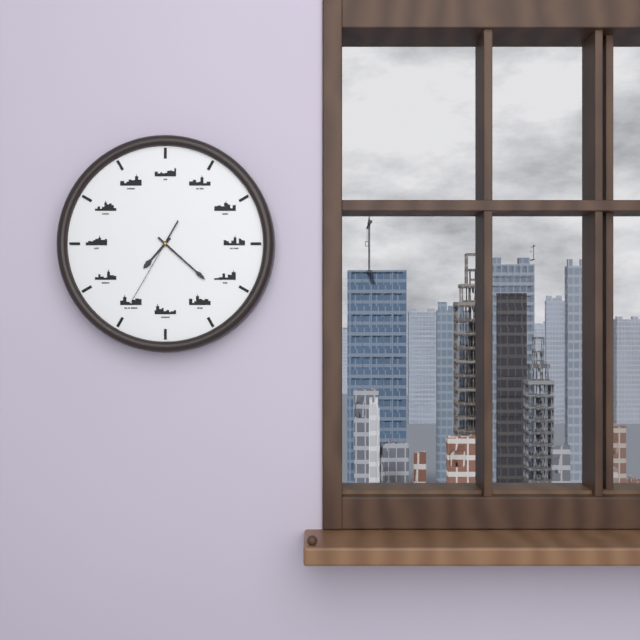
7h22m35s
